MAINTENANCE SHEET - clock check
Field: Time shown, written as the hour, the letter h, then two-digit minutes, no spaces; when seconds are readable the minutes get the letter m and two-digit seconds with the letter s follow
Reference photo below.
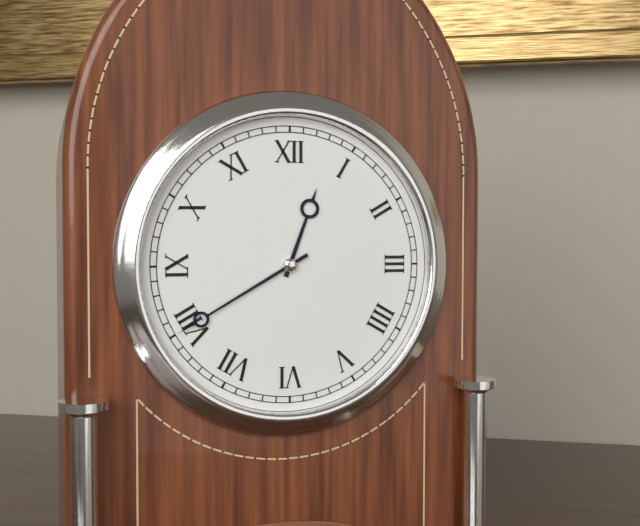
12h40
